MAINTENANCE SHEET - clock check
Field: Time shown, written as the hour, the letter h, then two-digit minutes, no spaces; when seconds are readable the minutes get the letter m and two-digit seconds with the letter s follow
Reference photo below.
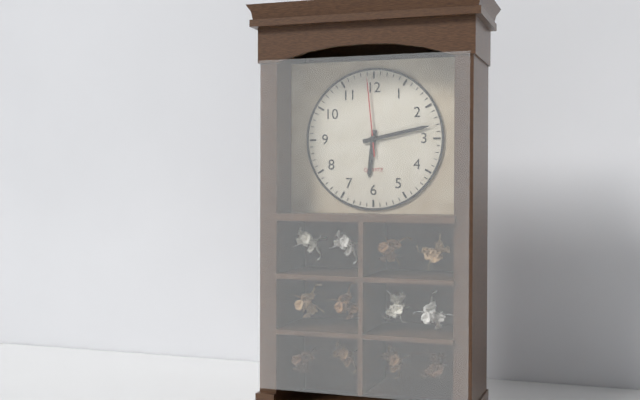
6h13m59s
